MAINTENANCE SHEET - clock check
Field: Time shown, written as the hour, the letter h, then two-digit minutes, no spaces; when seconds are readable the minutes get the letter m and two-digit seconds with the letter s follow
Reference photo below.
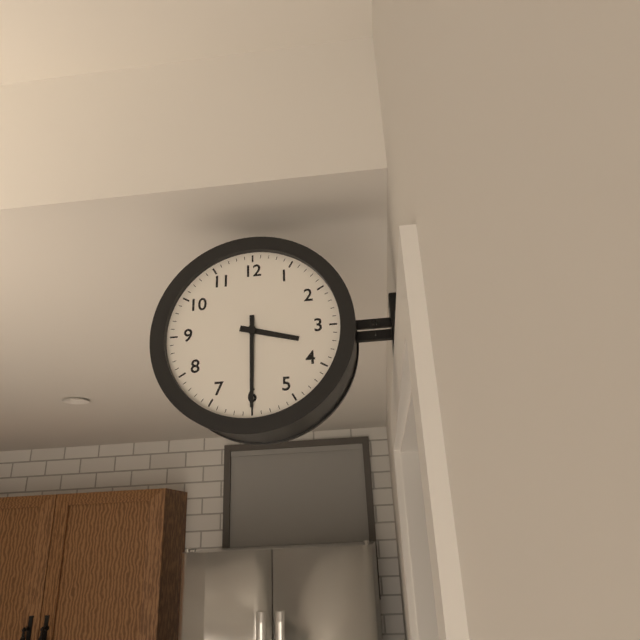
3h30
